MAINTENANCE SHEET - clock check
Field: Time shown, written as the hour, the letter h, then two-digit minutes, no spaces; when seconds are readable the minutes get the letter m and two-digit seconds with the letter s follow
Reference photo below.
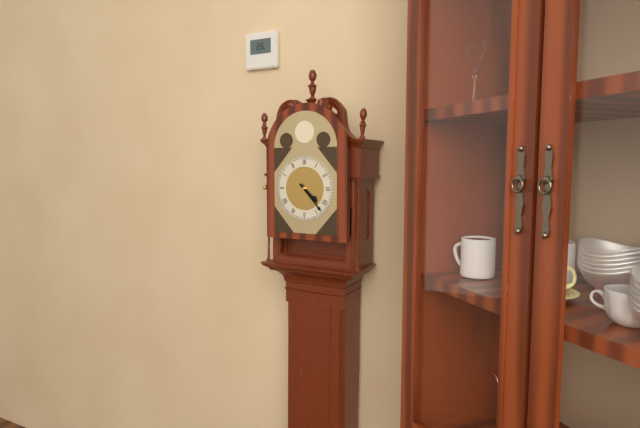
4h23
